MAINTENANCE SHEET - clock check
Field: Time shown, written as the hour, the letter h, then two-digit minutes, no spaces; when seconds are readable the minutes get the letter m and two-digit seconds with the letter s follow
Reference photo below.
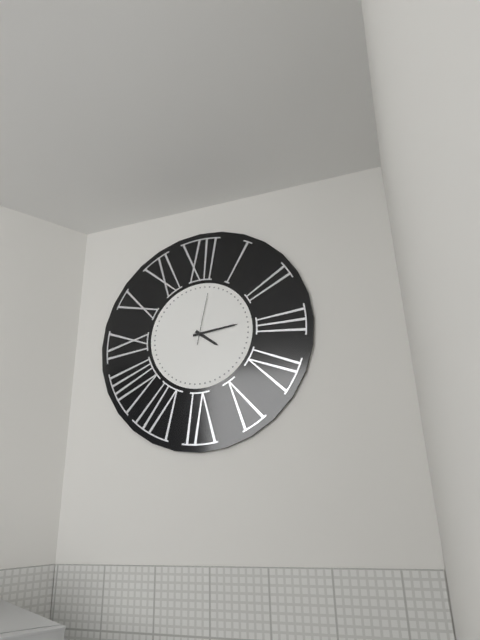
4h14m02s
